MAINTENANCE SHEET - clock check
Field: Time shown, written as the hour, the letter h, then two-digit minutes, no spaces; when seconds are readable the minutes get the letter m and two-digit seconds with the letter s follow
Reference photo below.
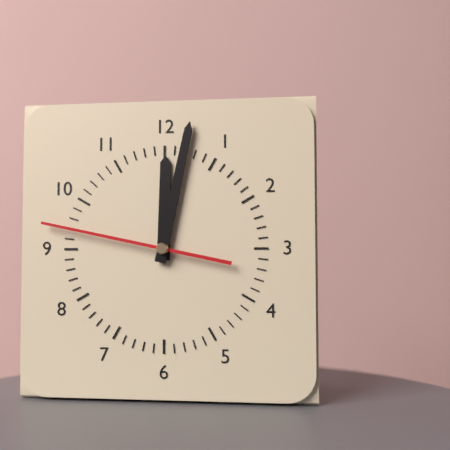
12h02m47s
